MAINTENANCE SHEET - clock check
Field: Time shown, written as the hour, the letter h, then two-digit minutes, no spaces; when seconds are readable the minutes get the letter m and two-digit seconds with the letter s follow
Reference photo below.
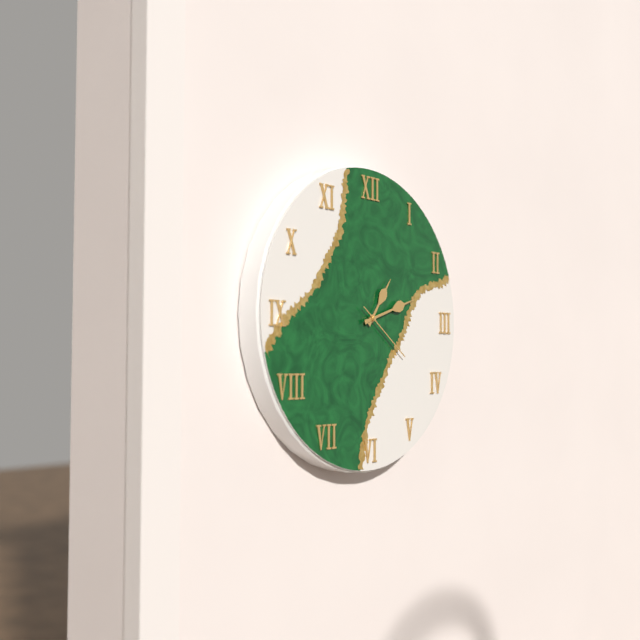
1h12m21s
